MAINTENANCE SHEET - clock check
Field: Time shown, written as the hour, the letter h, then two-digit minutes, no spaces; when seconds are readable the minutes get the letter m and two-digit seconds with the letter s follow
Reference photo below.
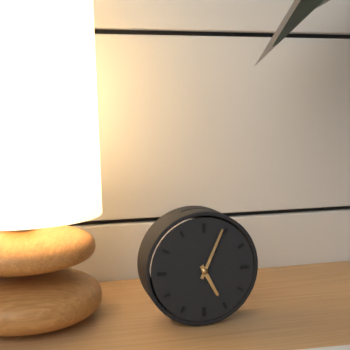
5h04
